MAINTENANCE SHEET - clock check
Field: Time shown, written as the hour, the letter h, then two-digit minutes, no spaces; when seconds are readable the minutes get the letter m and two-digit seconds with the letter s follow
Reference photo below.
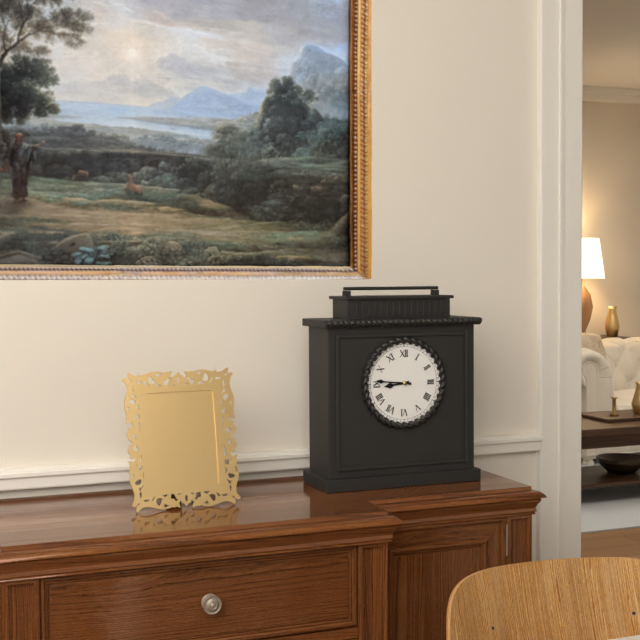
8h46
